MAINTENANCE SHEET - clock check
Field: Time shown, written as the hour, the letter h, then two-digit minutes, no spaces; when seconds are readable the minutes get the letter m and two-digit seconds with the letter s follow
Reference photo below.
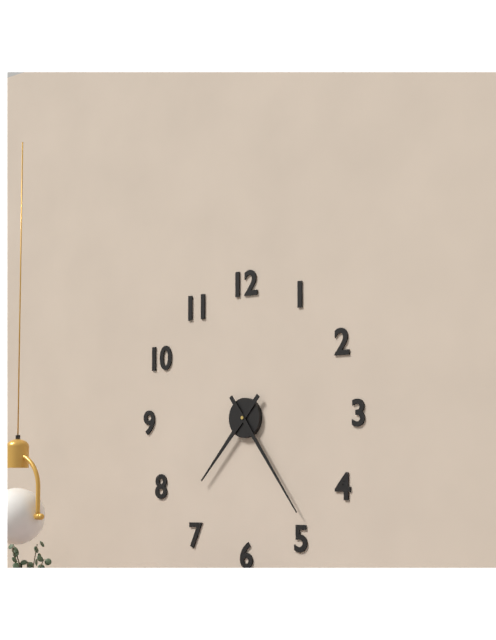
7h24
